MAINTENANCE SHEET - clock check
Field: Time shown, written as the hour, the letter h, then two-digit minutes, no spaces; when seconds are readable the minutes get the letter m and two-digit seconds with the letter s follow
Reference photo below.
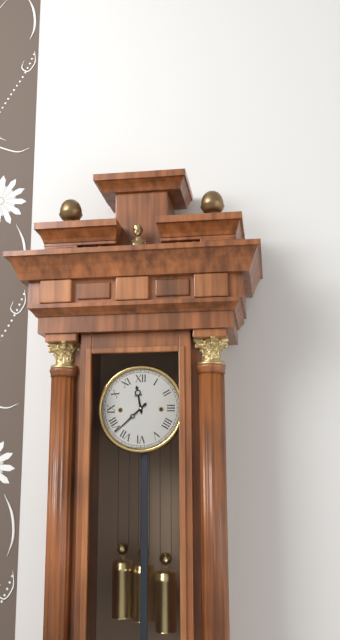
11h38
